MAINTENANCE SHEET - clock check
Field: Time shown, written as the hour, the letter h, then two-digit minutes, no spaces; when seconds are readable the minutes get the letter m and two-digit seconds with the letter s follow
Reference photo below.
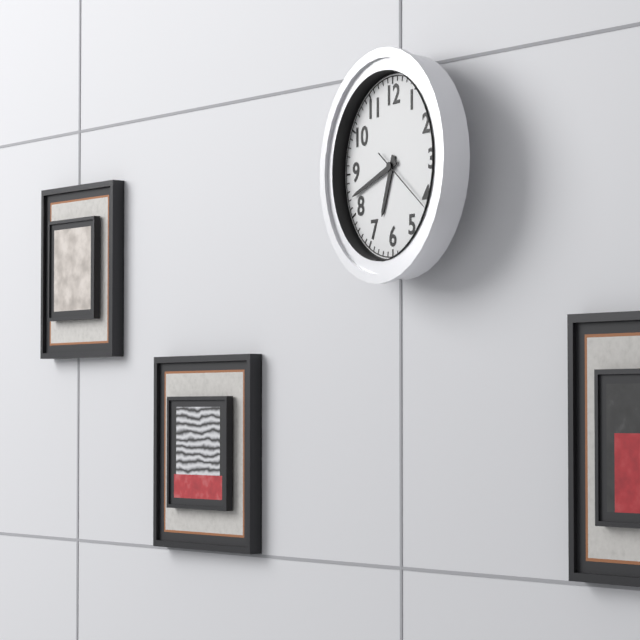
6h42m21s
